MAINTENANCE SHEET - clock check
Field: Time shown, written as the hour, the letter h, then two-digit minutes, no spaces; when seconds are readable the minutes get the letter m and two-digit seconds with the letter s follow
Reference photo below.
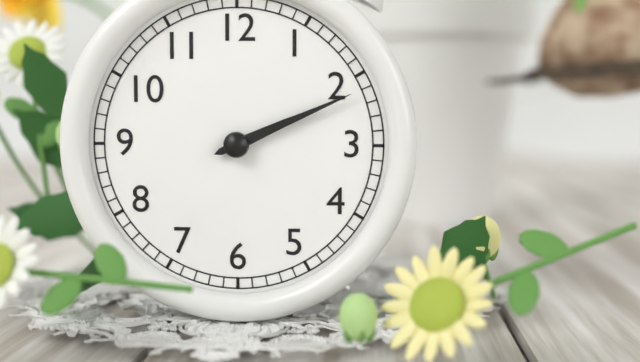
2h11
